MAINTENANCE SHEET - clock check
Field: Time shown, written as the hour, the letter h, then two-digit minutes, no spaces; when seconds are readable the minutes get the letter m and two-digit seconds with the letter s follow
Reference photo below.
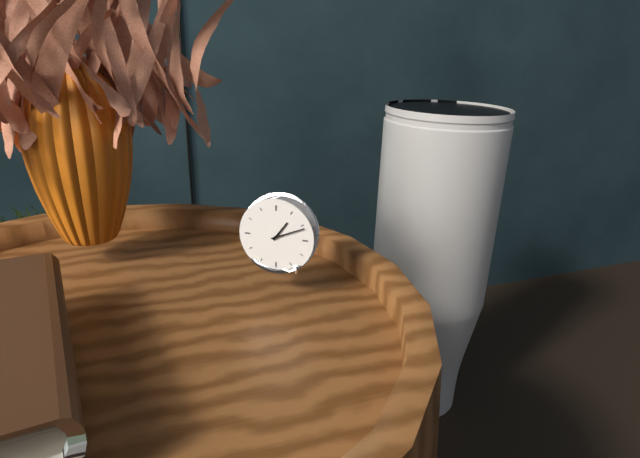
1h11
